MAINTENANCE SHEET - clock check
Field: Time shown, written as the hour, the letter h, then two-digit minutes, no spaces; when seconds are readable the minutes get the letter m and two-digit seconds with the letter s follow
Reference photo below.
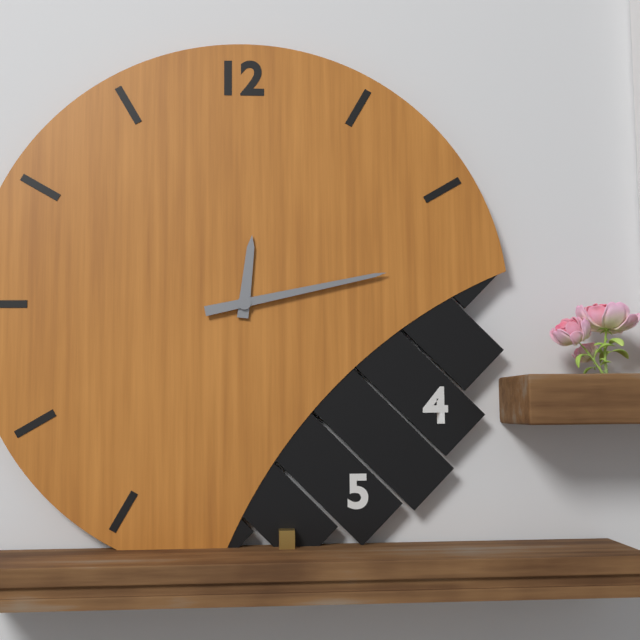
12h13
